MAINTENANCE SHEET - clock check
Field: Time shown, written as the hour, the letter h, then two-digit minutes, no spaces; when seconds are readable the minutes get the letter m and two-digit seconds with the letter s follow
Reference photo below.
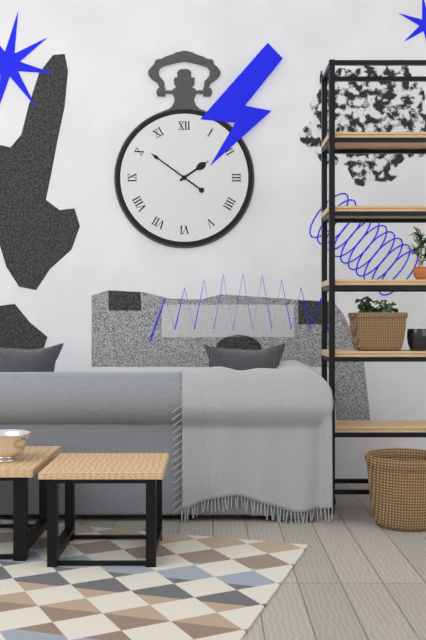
1h51
